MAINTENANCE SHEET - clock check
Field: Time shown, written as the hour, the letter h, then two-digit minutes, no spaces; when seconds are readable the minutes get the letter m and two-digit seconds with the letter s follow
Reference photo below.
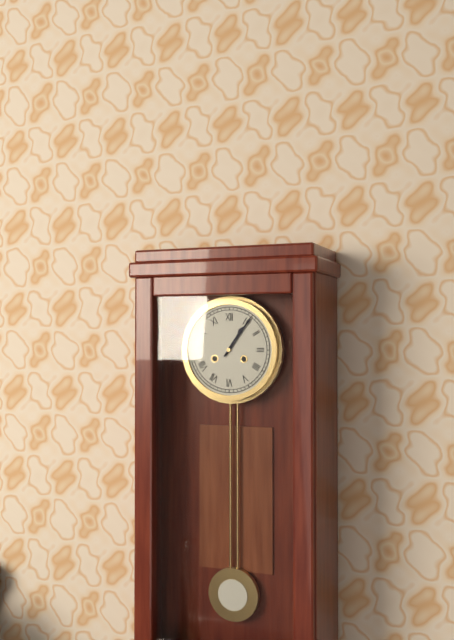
1h06
